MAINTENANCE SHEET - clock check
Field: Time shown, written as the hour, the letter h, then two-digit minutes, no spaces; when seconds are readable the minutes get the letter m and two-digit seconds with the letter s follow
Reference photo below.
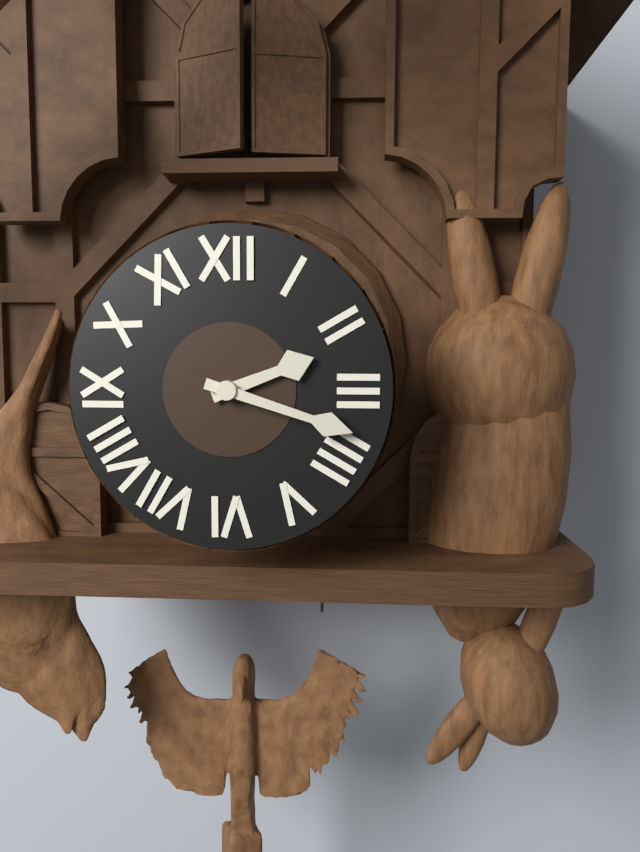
2h18
